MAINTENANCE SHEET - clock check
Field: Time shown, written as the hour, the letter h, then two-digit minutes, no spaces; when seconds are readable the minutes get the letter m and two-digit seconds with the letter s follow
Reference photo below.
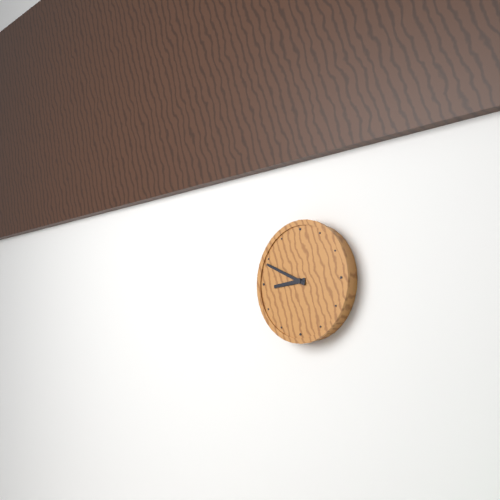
8h49
